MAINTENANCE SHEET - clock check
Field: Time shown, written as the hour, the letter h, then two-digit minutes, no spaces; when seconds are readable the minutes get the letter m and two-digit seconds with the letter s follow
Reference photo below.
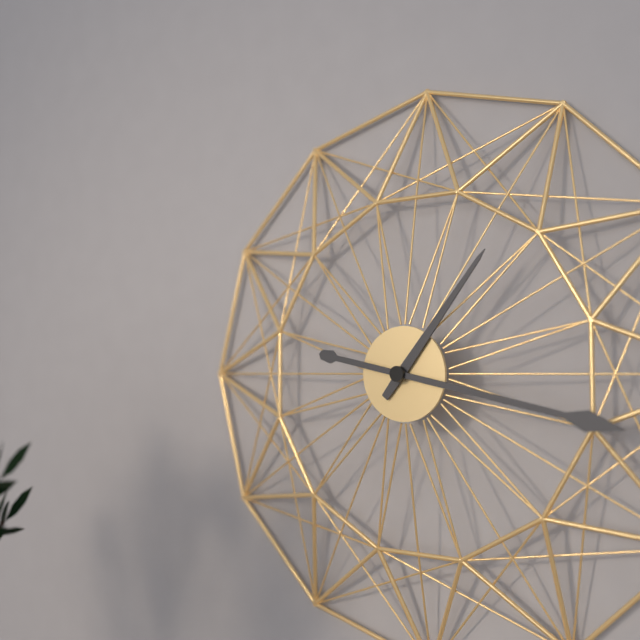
1h17
